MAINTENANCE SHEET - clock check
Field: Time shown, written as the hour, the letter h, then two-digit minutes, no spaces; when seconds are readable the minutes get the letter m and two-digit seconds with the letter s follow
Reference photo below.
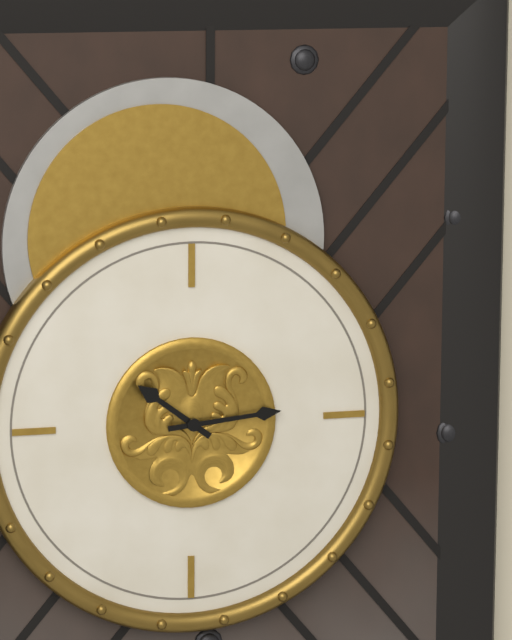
10h14
